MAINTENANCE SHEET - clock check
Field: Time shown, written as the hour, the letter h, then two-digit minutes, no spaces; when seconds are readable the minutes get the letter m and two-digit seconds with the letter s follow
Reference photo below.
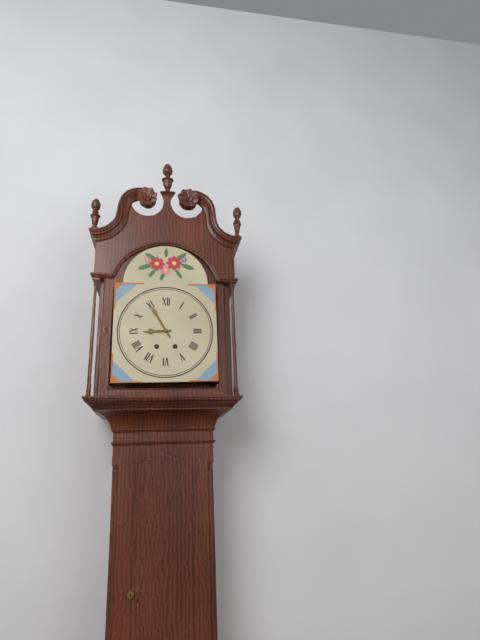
8h55
